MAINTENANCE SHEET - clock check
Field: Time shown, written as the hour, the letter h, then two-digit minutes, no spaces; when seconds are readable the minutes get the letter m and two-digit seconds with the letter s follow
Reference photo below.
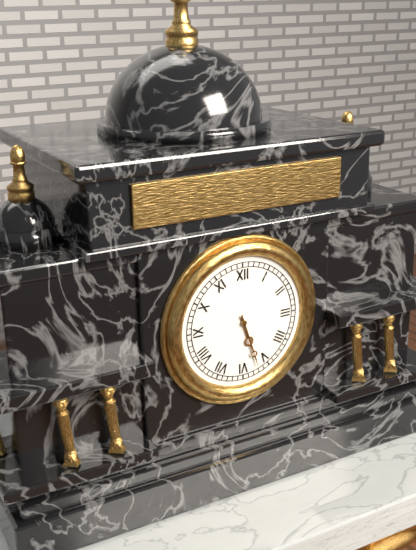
5h27
